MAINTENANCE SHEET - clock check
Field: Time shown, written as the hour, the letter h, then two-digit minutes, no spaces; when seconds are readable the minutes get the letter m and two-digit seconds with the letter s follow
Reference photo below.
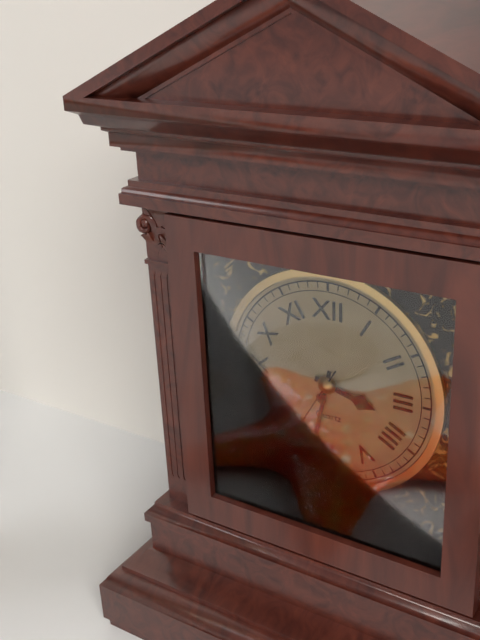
3h32m35s
